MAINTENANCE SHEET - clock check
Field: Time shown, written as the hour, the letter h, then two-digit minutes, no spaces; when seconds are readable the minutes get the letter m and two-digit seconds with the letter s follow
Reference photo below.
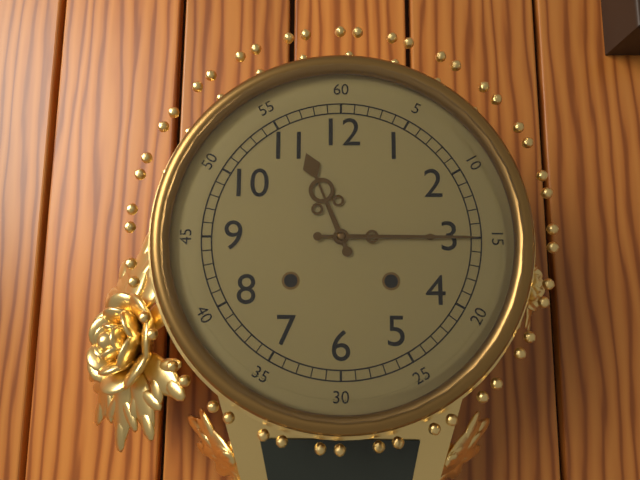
11h15
